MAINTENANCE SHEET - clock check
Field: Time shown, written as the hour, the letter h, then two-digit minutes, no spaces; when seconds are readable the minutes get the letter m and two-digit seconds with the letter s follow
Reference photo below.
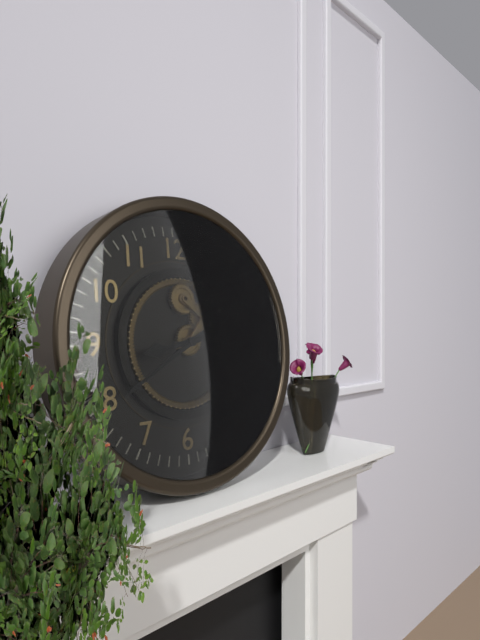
8h40
